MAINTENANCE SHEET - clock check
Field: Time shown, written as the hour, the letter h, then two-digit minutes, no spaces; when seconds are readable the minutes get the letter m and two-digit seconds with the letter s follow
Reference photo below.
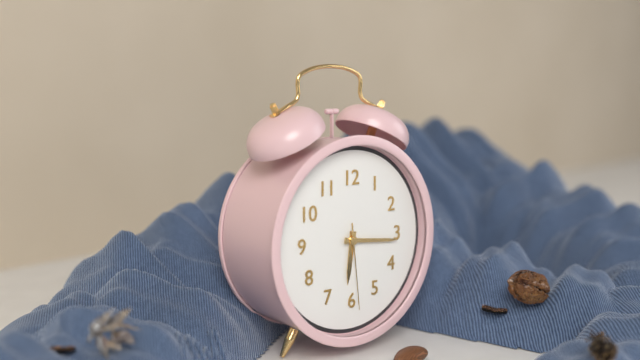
6h16m29s
